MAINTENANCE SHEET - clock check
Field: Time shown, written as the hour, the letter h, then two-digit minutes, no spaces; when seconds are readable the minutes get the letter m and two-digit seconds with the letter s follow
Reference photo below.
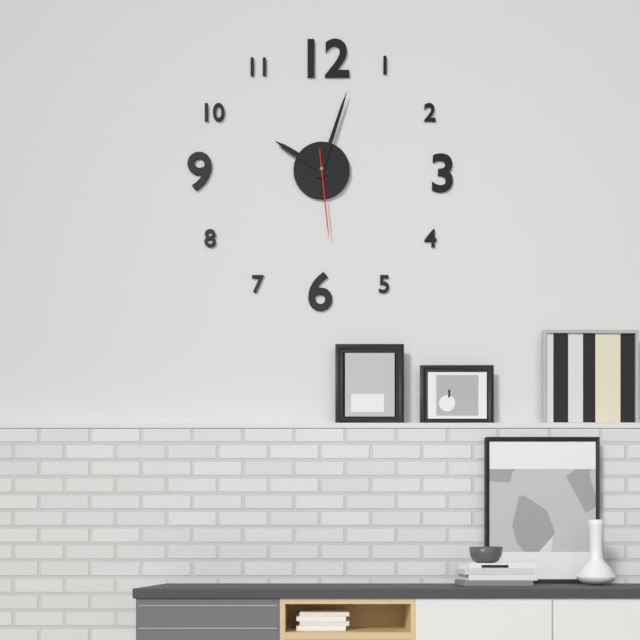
10h03m29s
